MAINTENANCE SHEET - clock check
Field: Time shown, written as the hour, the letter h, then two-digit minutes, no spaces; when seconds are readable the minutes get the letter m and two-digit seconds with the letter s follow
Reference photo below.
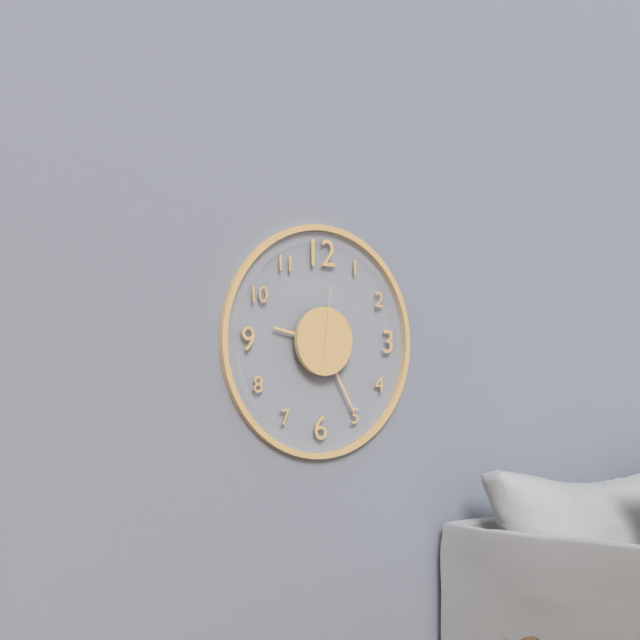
9h25m01s
